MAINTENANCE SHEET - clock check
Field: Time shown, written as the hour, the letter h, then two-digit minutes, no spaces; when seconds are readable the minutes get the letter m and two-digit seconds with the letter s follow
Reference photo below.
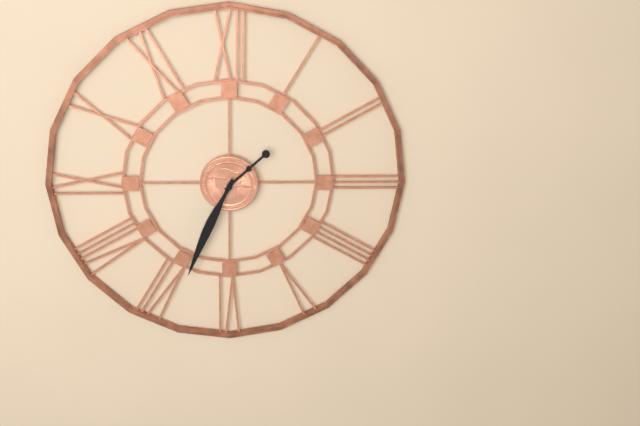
1h34
